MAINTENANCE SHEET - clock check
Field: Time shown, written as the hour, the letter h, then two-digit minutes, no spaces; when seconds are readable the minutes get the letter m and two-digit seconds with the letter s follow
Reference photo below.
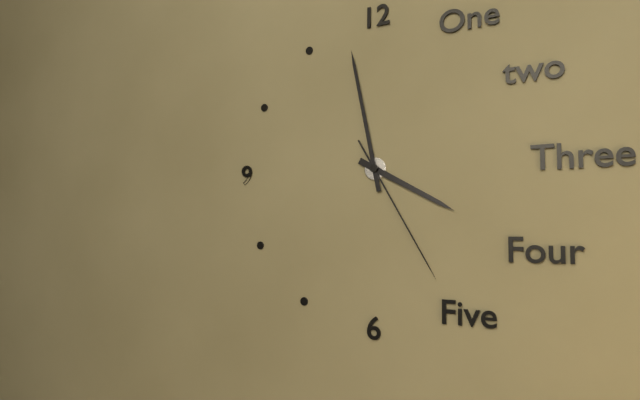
3h58m25s
